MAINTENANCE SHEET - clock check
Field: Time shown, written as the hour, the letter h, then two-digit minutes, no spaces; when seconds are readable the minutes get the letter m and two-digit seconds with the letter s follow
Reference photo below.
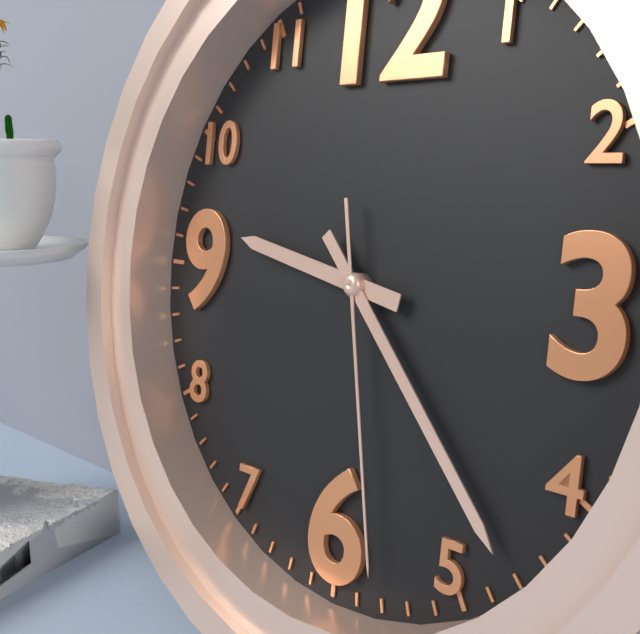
9h23m28s
